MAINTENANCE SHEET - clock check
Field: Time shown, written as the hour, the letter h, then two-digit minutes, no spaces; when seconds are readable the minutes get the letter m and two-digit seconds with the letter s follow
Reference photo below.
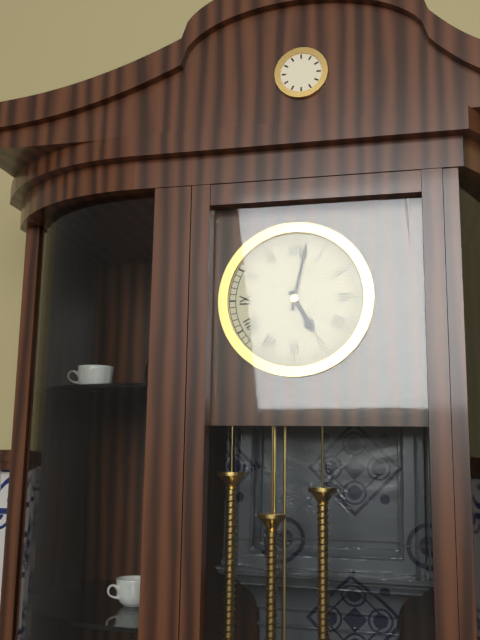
5h02
